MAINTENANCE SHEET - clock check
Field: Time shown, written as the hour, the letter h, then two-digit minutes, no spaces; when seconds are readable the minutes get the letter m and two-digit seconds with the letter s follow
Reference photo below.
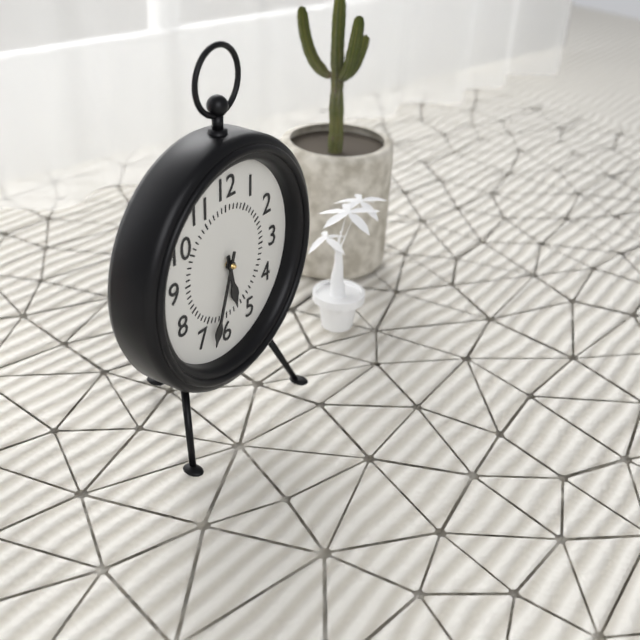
5h33
